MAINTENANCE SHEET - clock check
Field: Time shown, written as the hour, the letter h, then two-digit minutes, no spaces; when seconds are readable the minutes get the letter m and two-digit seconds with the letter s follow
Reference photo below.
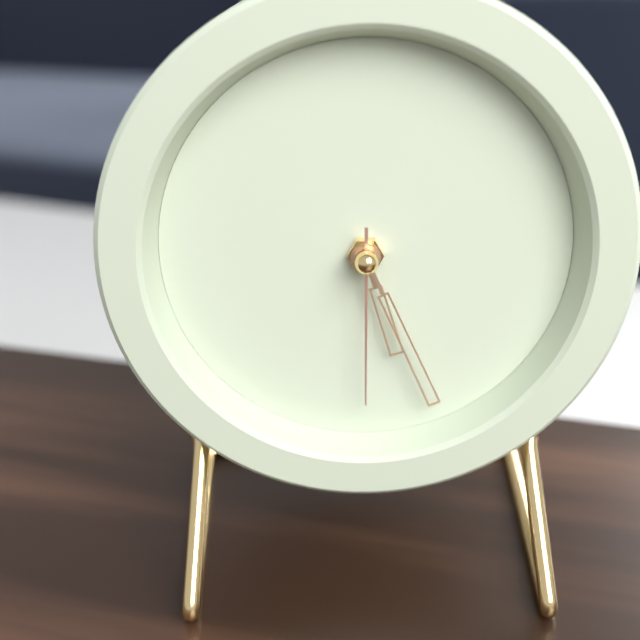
5h26m30s
